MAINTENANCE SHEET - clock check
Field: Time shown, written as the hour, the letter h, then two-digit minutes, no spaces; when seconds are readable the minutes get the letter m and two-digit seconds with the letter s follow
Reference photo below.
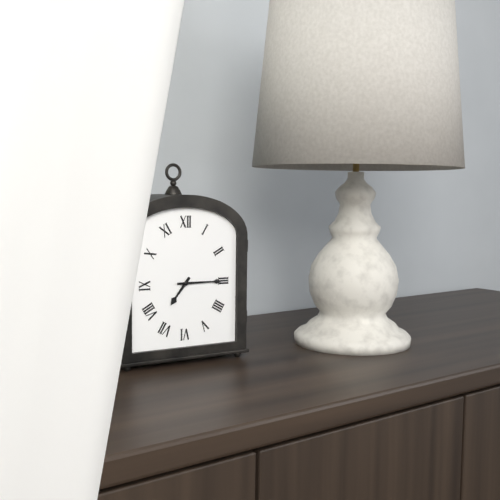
7h15
